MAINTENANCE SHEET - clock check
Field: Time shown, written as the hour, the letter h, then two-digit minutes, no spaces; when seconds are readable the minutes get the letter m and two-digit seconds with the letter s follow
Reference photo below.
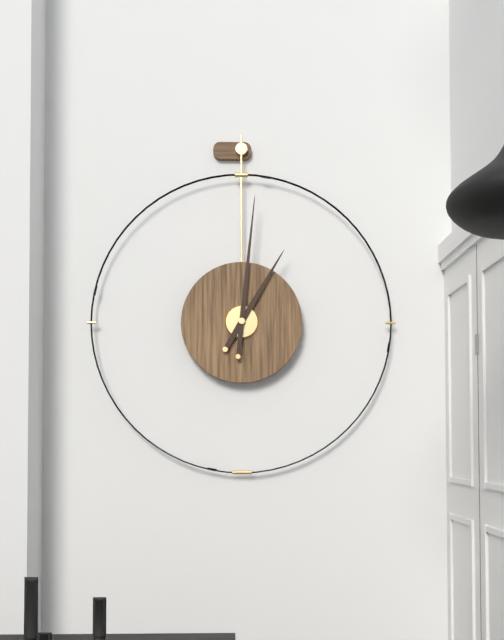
1h01
